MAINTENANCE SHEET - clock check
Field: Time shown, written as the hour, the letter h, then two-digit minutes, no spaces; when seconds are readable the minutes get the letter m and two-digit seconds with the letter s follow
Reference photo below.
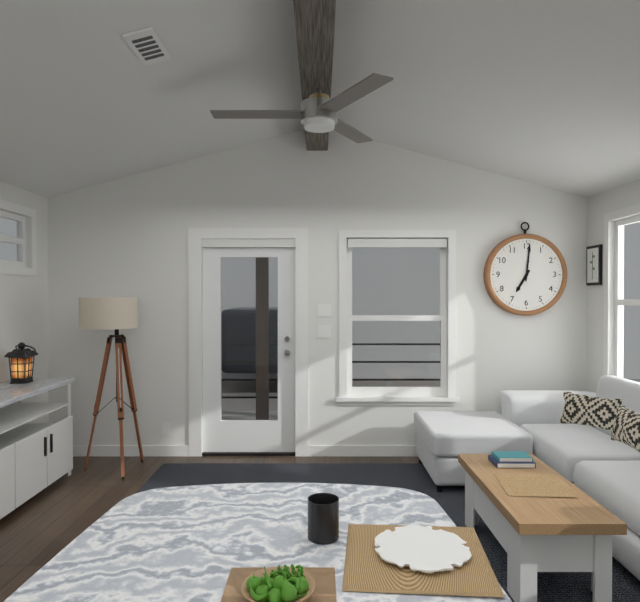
7h01
